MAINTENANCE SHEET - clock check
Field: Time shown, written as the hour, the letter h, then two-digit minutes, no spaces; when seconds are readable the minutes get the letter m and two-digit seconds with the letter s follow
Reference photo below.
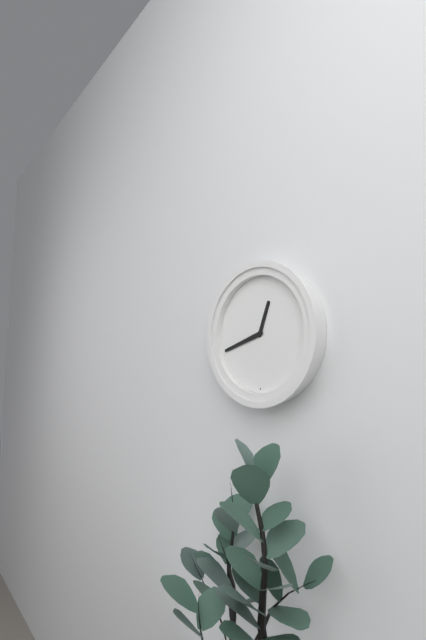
12h42
